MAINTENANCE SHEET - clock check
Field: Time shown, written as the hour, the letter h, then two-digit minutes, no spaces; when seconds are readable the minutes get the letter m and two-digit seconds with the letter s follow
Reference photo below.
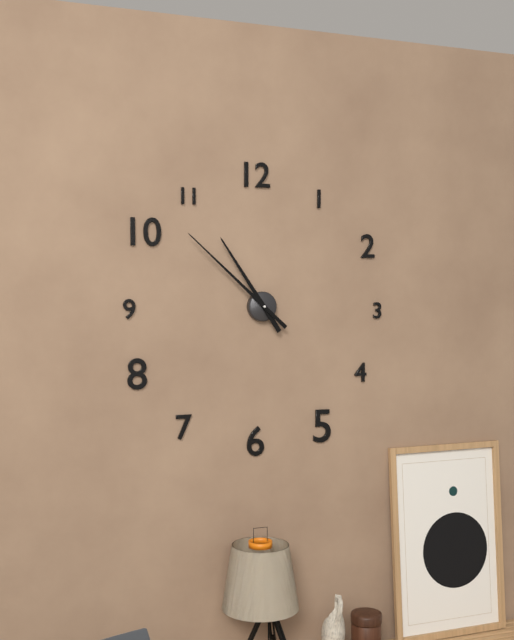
10h52
